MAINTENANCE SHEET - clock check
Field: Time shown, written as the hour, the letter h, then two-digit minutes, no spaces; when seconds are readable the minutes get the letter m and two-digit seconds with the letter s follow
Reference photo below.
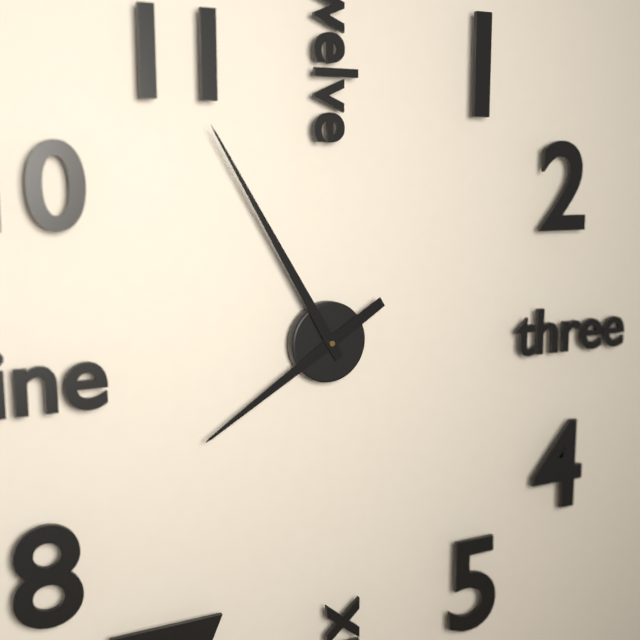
7h55
